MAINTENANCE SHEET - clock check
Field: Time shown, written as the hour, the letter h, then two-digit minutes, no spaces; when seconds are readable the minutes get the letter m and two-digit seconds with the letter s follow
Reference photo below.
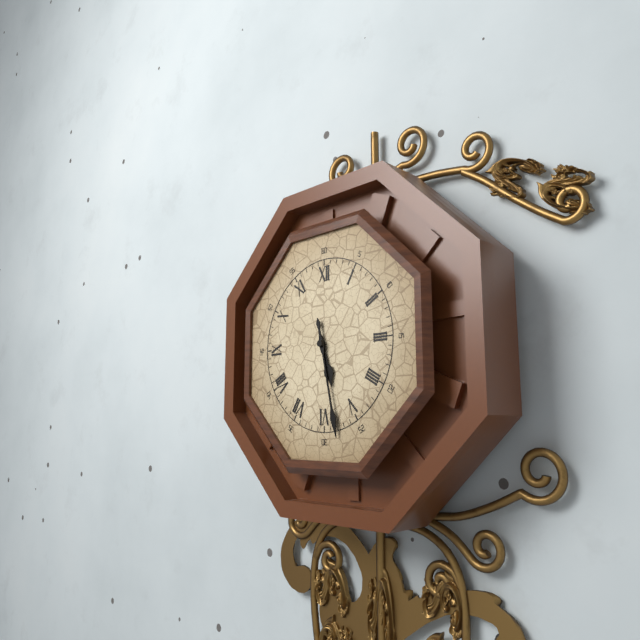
5h28
